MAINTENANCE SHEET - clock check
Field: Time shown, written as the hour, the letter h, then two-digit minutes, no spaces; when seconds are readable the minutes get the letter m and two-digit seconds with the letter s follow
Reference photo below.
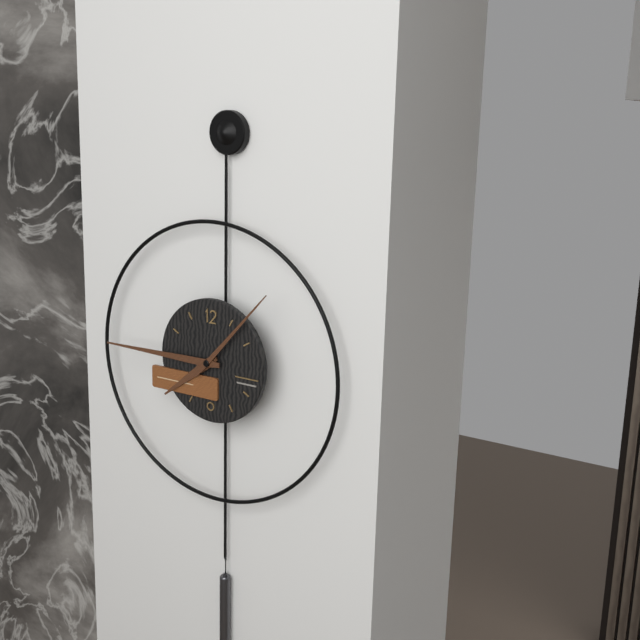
7h45m07s
